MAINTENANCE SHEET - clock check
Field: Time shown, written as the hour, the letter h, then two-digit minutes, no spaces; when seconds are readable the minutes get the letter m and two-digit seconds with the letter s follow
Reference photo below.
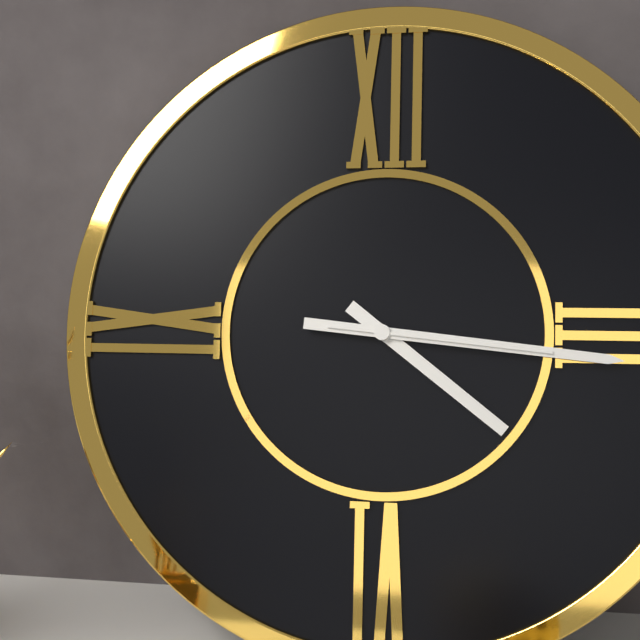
4h16m16s
